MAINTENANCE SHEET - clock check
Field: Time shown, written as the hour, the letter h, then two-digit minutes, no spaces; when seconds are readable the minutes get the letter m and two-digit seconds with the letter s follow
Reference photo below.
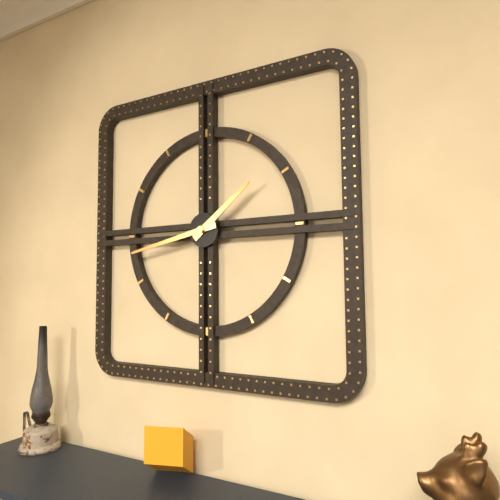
1h43
